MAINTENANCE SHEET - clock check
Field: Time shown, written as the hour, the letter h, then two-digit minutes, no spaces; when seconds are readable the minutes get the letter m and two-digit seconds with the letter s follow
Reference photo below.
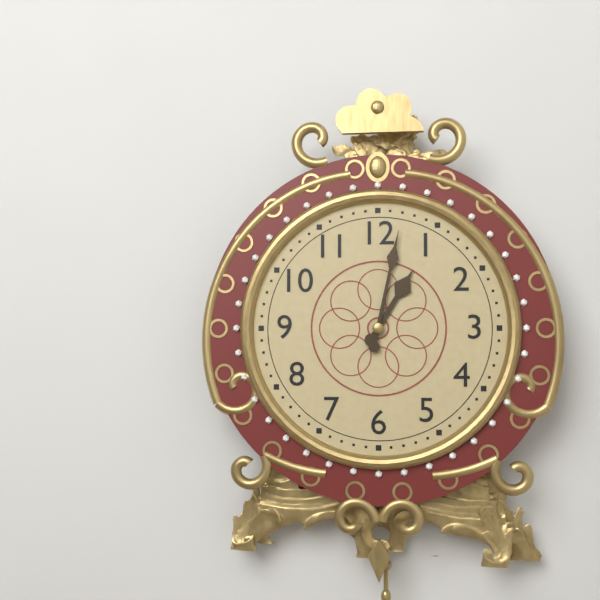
1h02
